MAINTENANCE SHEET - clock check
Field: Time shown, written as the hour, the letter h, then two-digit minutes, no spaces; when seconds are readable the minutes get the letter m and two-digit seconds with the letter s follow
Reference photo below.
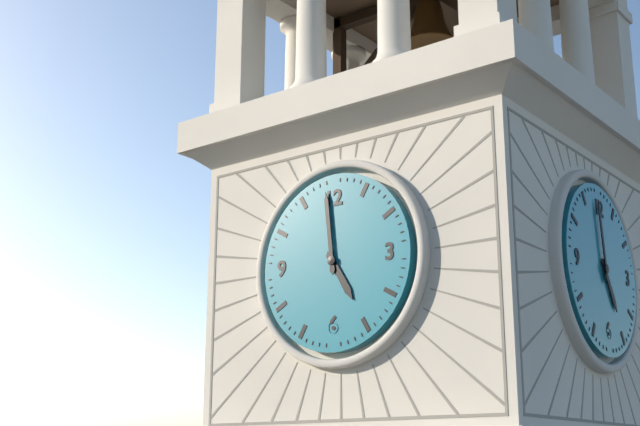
4h59
